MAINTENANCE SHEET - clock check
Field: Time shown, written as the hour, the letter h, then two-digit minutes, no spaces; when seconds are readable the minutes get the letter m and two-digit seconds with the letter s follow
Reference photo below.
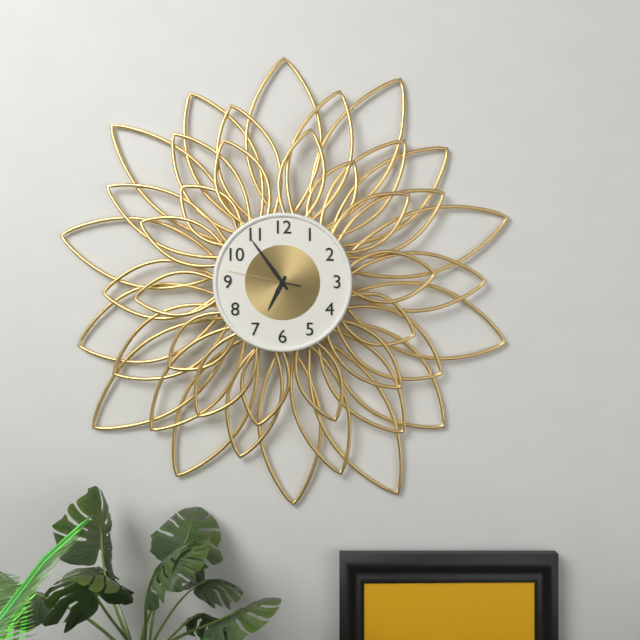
6h54m47s
